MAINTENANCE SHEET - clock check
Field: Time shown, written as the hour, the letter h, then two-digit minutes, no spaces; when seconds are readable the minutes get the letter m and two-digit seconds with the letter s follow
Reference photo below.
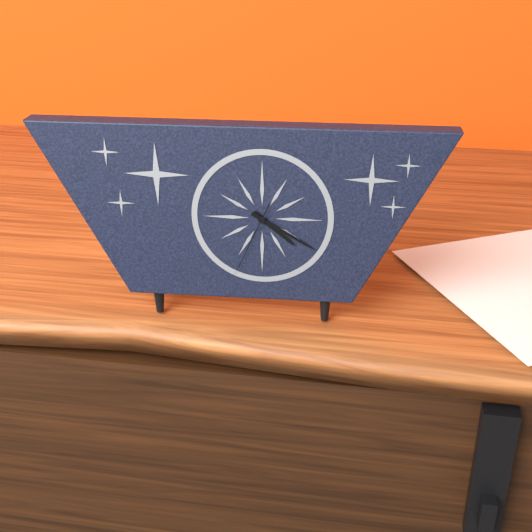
4h20m34s
